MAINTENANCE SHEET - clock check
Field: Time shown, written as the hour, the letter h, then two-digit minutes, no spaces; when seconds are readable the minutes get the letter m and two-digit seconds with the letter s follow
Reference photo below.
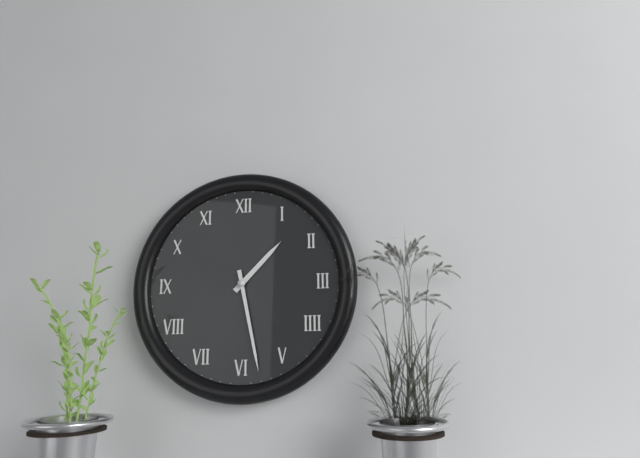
1h28
